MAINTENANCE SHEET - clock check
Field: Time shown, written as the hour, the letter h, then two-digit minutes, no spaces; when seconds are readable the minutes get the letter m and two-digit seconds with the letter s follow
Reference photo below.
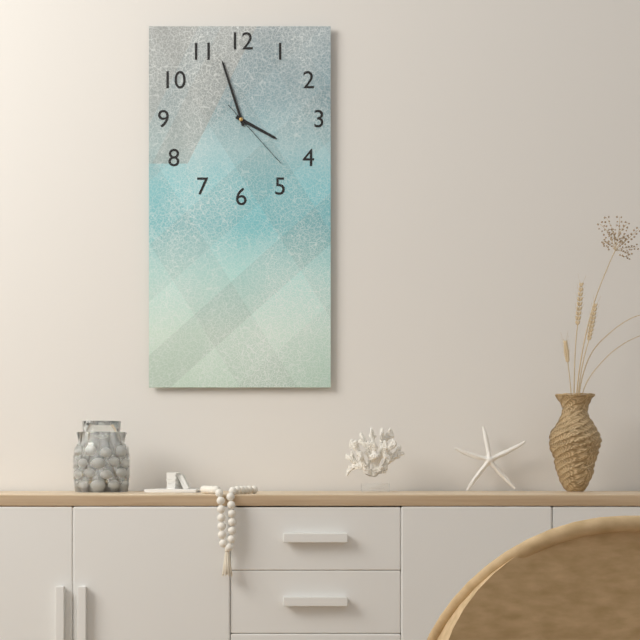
3h57m23s
